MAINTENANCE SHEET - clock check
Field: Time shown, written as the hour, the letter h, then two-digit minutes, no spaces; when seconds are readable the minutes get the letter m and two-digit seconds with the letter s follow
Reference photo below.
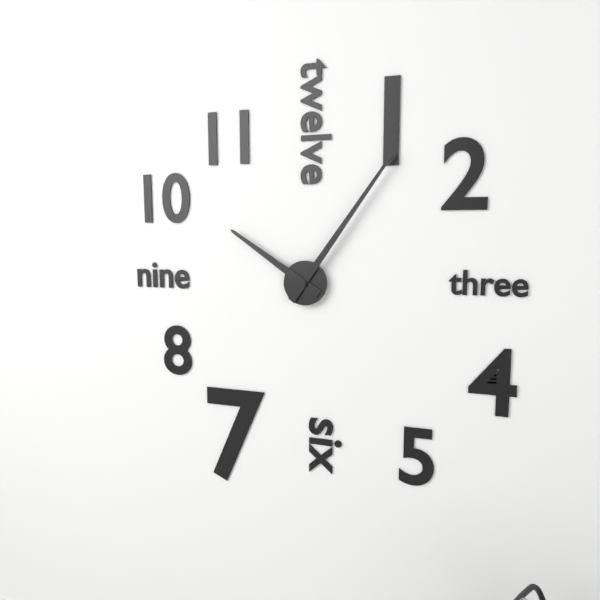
10h06
